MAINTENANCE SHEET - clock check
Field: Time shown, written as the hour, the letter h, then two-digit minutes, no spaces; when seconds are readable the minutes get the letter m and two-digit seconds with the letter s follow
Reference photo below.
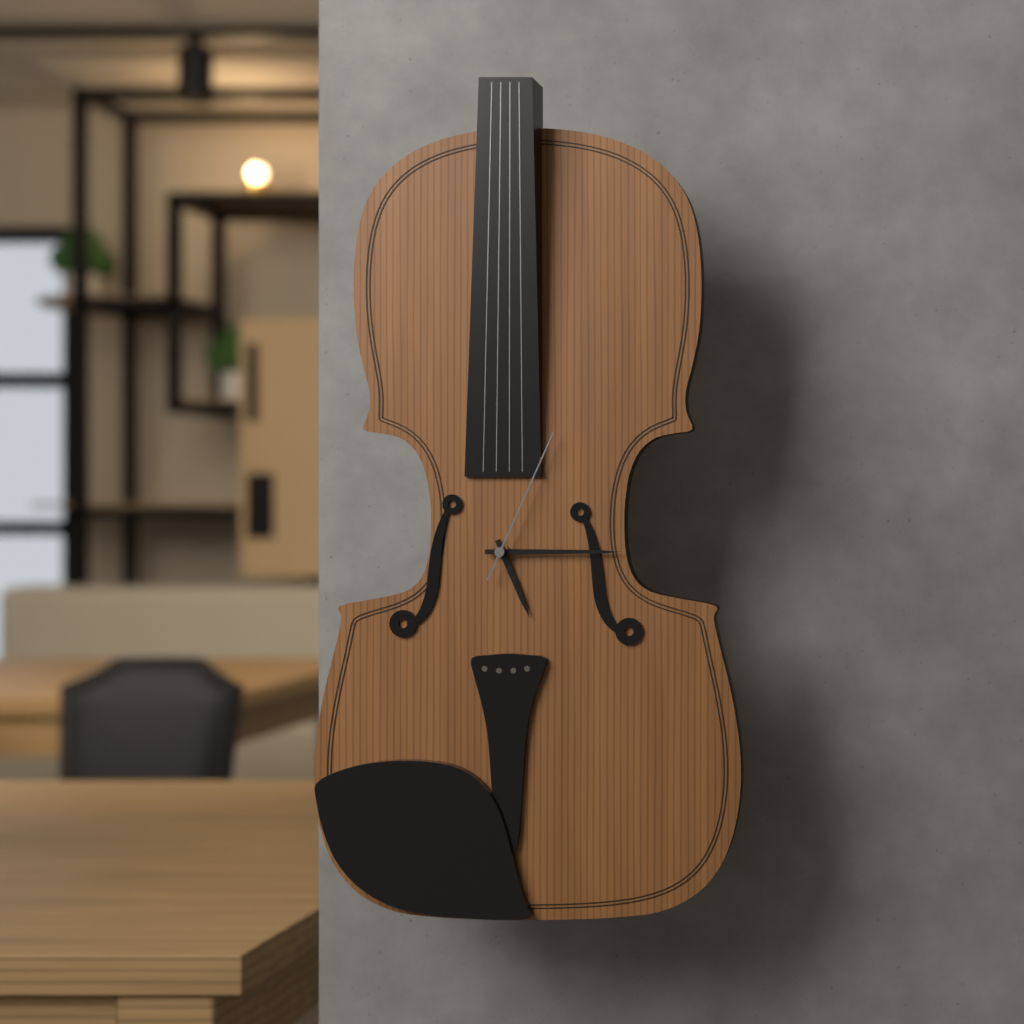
5h15m04s
